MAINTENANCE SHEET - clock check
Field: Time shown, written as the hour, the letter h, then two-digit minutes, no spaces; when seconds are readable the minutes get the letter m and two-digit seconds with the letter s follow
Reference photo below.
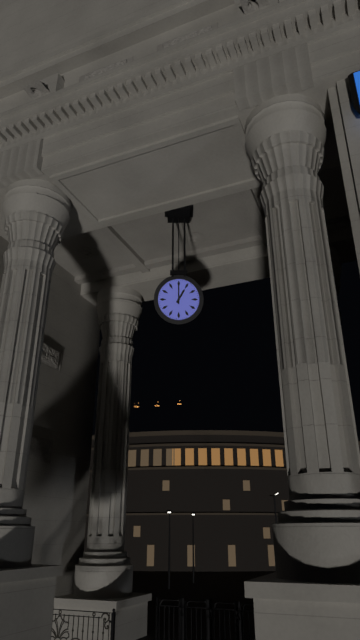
1h00
